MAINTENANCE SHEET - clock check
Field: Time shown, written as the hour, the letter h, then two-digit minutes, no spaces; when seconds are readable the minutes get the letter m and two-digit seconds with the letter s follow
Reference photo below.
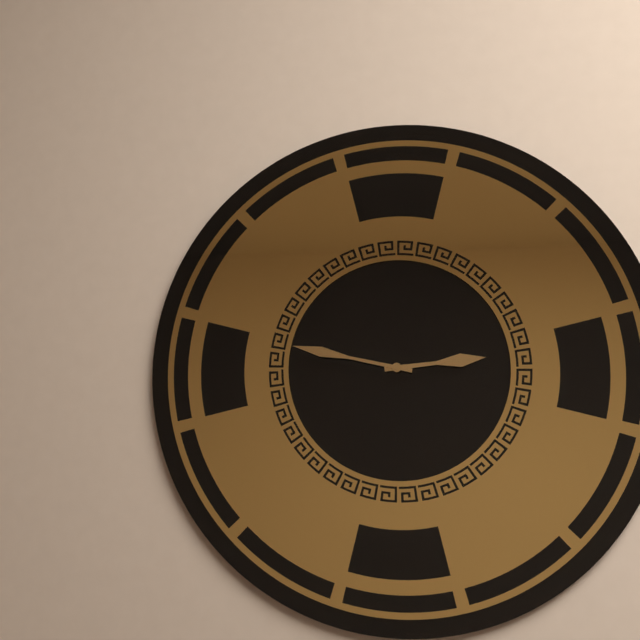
2h47
